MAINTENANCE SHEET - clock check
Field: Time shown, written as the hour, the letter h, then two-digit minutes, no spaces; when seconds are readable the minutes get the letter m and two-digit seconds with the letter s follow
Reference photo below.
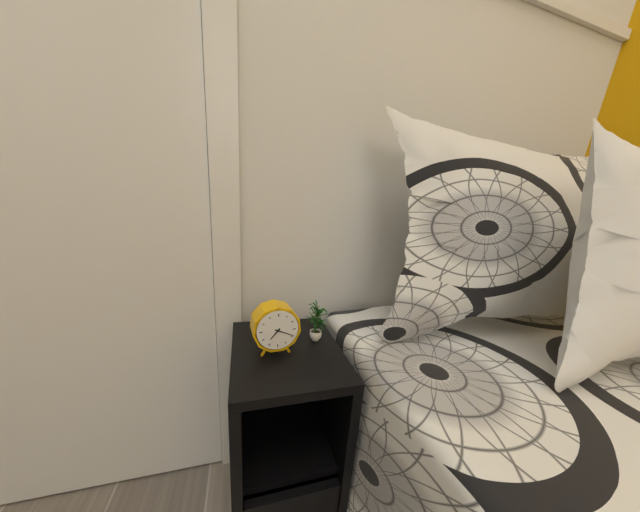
7h19
